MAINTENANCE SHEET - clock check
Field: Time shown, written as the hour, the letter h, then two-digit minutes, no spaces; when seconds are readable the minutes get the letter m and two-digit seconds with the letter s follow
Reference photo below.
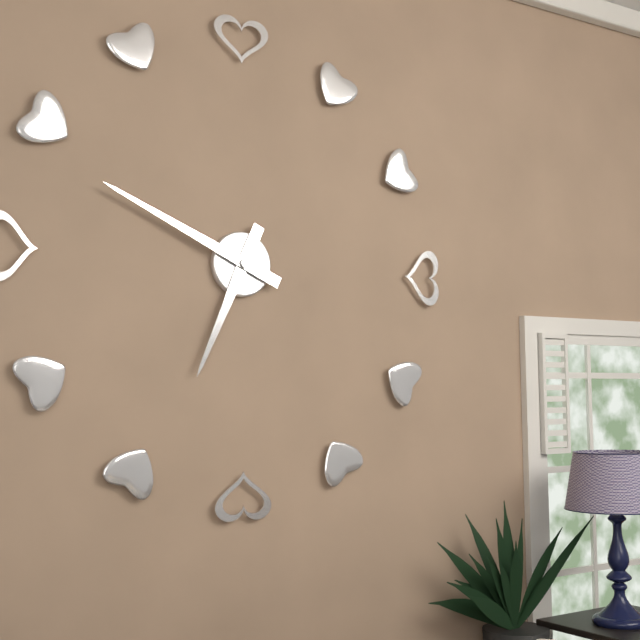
6h49
